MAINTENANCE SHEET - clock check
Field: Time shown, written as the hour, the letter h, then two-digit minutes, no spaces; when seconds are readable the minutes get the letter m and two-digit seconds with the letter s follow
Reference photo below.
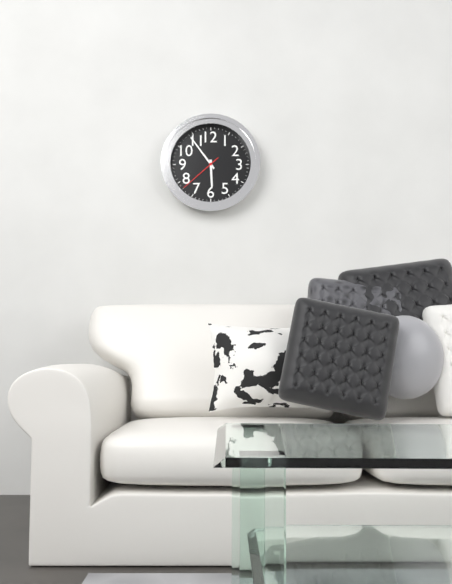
5h54
